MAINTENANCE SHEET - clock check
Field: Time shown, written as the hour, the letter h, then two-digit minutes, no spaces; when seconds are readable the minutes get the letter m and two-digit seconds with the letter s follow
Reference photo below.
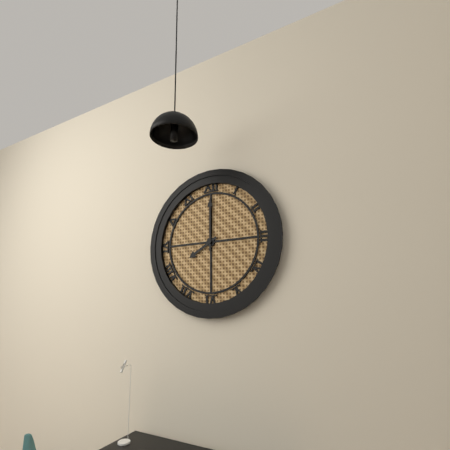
8h00
